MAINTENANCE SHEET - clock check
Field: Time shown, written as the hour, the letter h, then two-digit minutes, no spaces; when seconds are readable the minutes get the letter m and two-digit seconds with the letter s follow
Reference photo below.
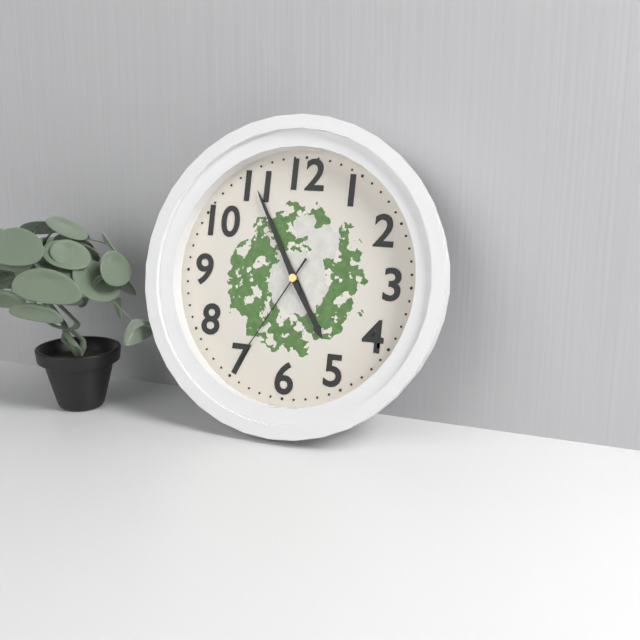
4h55m35s
